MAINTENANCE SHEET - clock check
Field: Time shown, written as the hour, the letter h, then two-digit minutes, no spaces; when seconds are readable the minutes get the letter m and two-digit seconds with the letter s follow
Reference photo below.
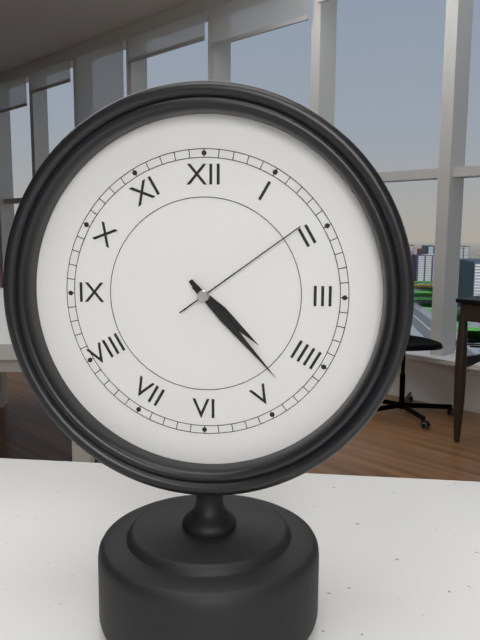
4h23m09s
